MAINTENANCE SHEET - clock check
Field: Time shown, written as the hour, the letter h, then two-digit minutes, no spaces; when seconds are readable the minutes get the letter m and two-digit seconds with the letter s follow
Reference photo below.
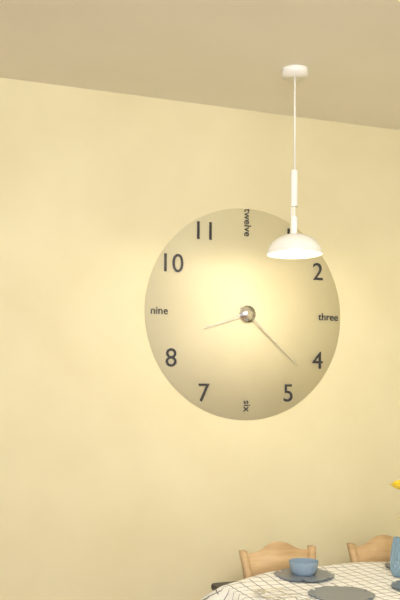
8h22
